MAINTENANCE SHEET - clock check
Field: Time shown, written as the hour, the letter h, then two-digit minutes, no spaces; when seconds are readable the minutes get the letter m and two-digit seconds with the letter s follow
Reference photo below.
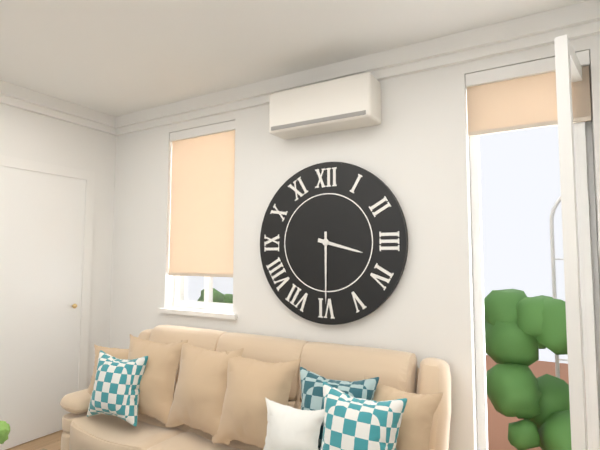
3h30
